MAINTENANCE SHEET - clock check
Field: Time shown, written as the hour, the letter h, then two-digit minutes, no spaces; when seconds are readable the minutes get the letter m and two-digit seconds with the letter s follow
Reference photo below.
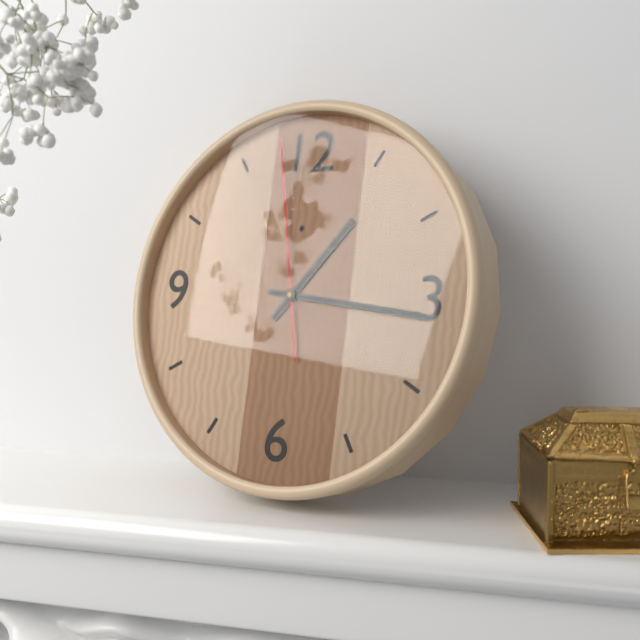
1h16m58s
